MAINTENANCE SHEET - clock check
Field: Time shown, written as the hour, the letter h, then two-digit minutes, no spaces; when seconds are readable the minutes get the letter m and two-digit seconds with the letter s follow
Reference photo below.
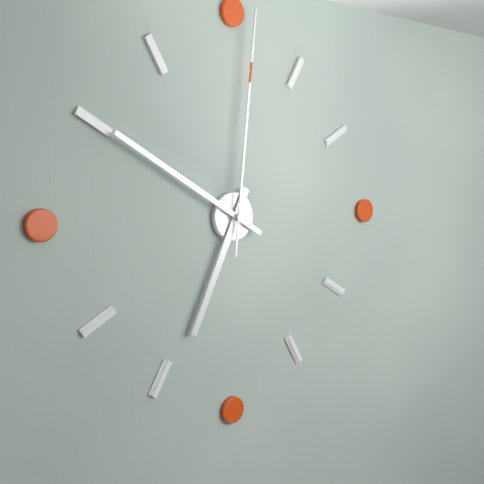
6h50m01s
